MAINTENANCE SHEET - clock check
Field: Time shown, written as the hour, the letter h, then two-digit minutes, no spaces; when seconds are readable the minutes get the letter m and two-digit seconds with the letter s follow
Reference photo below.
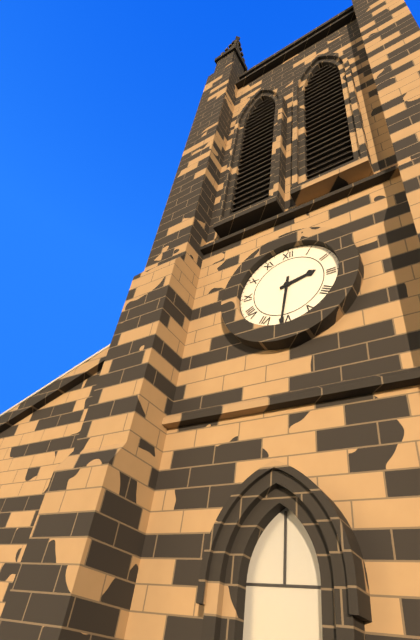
2h31
